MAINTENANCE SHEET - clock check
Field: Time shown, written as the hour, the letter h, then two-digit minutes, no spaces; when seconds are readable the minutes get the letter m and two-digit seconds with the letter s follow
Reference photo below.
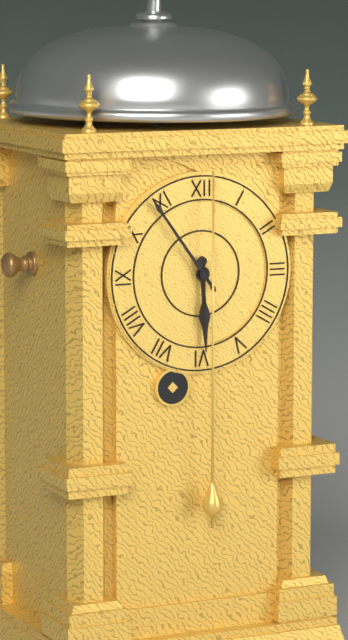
5h54
